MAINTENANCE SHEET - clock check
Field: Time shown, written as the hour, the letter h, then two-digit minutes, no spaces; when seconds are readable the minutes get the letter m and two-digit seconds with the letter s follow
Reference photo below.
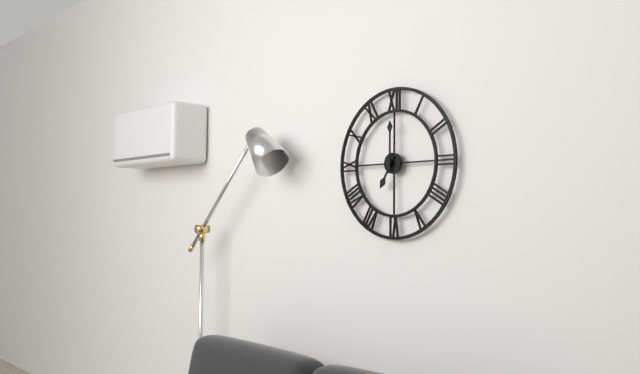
7h00
